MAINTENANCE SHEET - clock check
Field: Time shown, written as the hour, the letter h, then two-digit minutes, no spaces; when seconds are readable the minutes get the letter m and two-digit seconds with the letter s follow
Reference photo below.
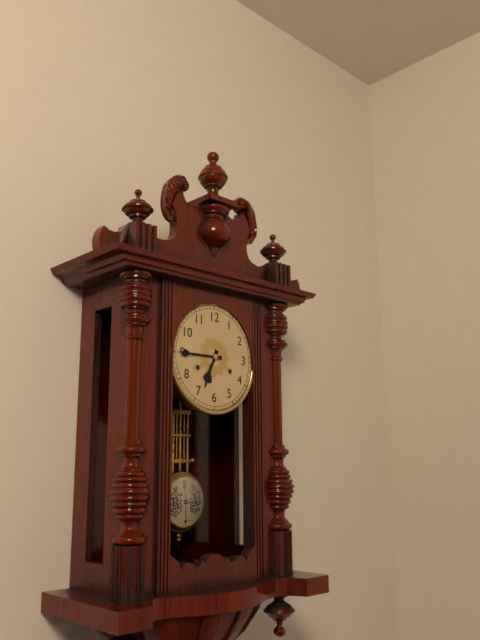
6h45
